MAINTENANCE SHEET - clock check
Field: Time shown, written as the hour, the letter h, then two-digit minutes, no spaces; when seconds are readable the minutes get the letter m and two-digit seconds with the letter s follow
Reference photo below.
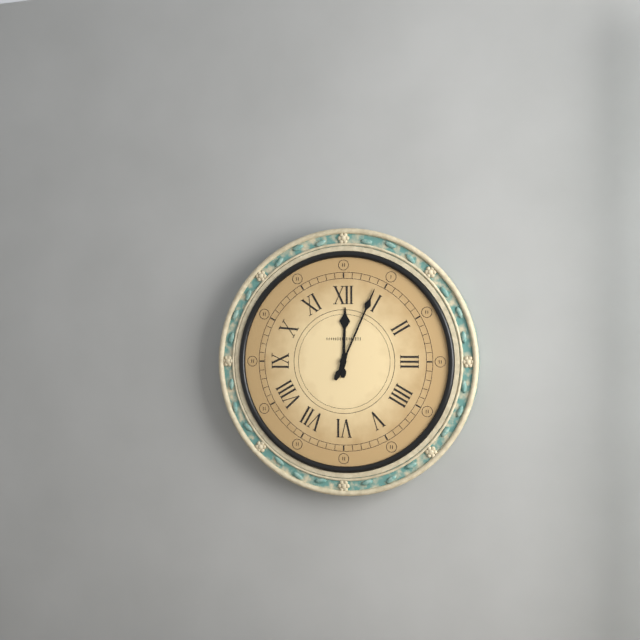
12h04
